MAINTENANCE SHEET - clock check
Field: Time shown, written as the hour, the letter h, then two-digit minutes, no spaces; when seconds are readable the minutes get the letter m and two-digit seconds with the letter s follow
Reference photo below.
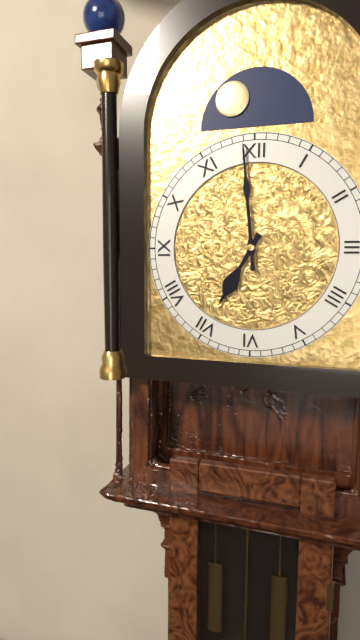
6h59
